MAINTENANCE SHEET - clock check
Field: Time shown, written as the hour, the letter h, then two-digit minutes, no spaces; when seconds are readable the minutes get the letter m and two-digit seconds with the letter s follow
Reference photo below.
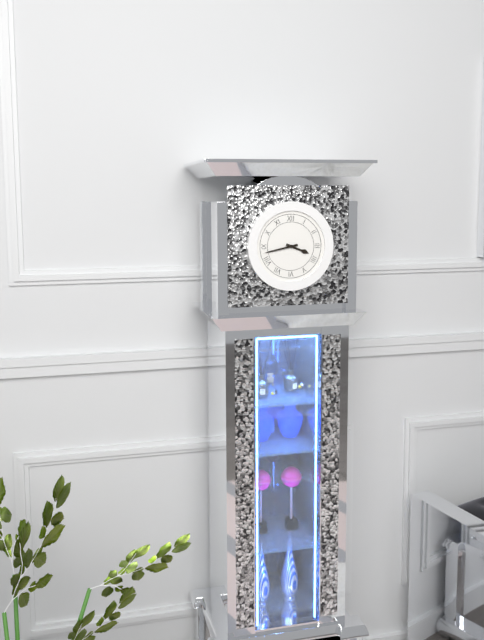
3h43
